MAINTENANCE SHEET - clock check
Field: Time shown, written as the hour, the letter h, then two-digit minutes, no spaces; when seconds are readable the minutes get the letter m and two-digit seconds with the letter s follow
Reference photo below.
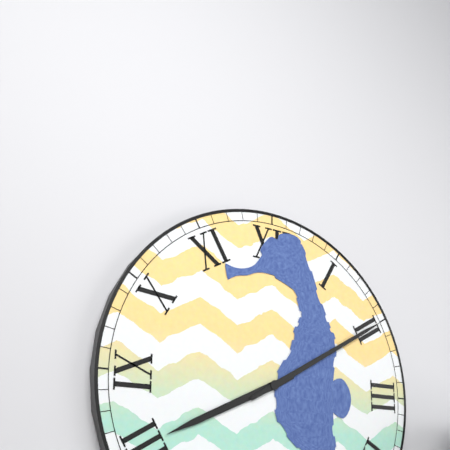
8h10
